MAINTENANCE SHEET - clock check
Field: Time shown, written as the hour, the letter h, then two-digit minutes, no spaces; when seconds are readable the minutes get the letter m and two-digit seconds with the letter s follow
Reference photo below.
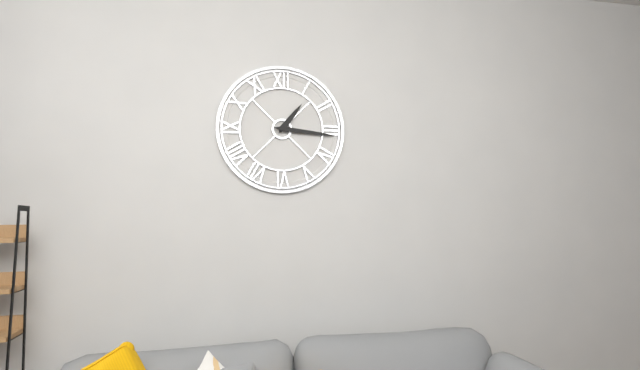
1h16
